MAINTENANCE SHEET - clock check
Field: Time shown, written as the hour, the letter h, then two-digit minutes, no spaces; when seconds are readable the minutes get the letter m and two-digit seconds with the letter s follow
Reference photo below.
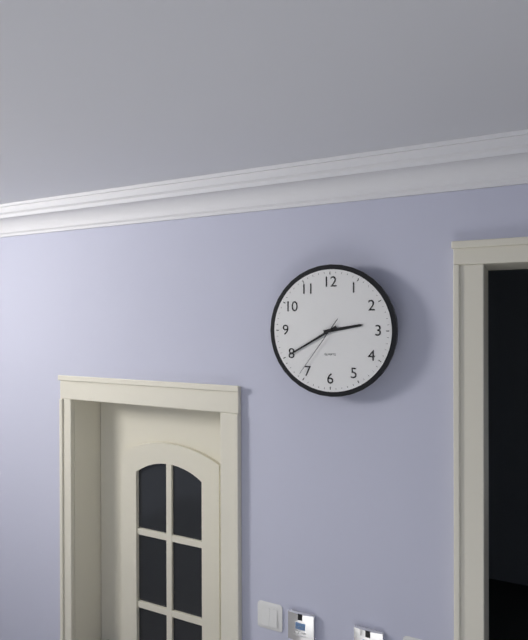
2h40m36s
